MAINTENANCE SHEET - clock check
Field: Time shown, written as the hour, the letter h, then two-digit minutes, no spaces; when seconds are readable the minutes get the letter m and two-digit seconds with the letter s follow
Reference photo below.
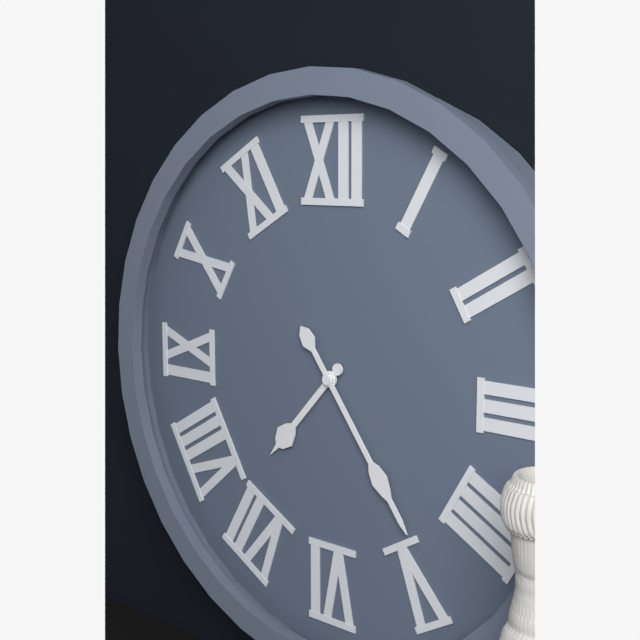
7h24
